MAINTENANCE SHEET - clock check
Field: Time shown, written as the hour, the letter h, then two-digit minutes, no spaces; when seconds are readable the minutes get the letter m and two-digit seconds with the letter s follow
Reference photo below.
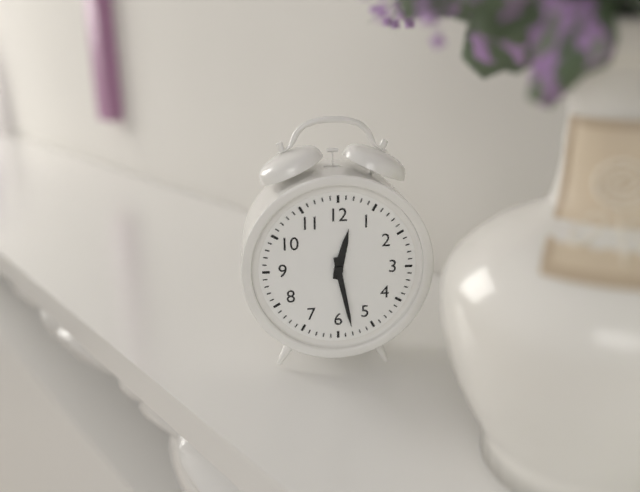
12h28
